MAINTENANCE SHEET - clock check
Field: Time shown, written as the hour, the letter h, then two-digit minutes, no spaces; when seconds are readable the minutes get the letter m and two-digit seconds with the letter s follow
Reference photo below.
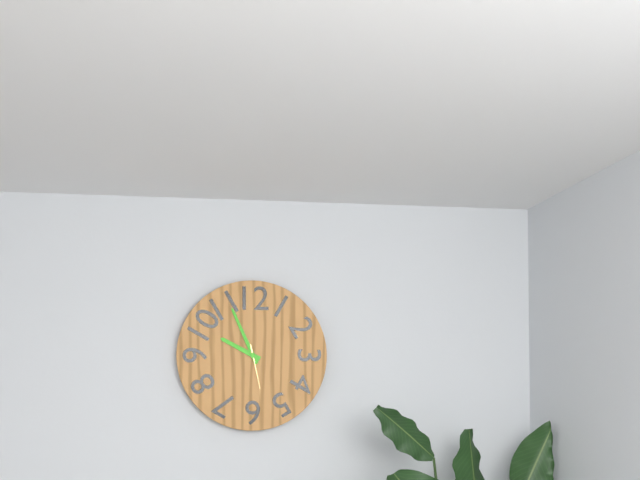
9h56
